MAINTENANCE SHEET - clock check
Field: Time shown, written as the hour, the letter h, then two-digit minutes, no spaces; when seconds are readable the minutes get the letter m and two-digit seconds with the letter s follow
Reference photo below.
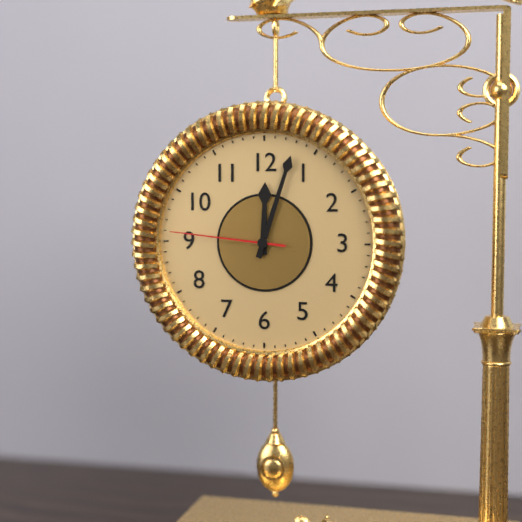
12h03m46s
